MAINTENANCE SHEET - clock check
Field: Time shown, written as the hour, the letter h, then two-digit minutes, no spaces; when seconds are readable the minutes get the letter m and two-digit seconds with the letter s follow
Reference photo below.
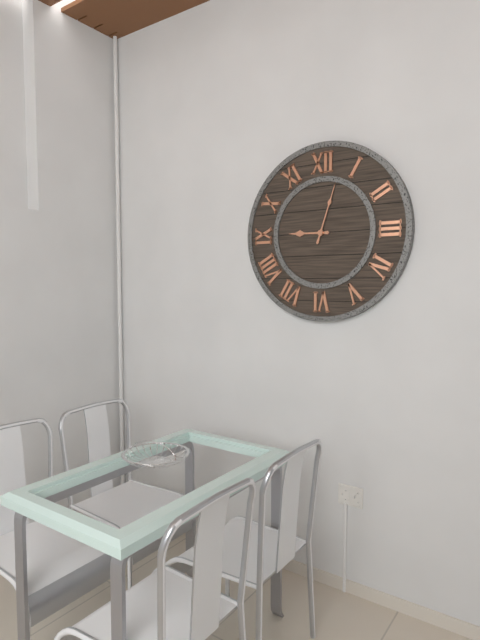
9h03
